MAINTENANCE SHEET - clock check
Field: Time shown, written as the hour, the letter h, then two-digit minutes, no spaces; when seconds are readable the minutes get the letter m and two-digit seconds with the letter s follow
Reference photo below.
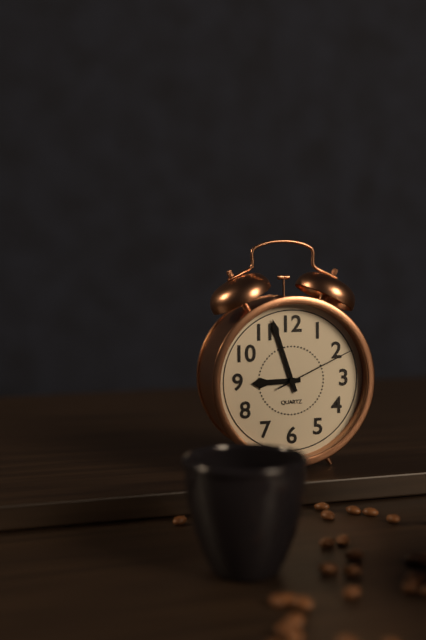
8h57m11s
